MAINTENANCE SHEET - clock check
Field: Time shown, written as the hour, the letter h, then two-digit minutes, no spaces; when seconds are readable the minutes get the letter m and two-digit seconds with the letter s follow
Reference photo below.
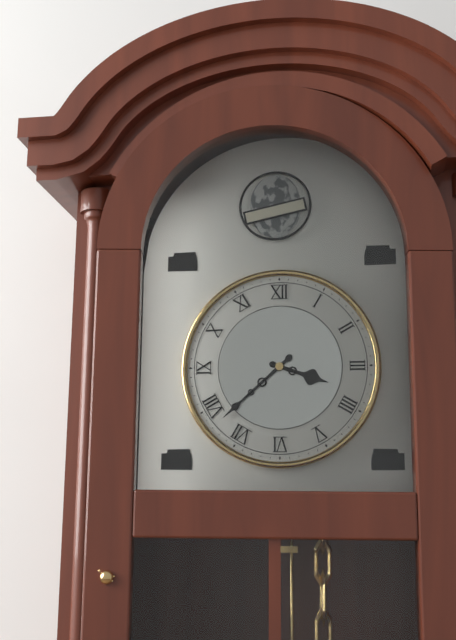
3h38
